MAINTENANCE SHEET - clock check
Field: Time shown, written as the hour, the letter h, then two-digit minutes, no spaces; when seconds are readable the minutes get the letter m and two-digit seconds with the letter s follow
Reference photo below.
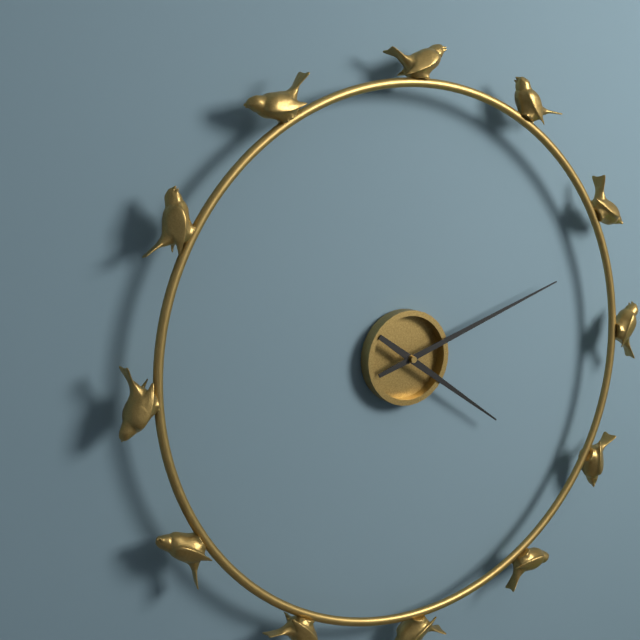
4h12
